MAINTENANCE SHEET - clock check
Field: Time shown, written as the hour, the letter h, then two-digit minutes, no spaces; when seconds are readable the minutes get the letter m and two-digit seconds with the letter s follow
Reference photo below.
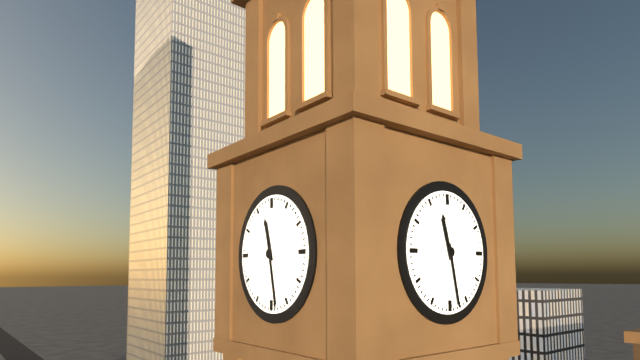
11h28
